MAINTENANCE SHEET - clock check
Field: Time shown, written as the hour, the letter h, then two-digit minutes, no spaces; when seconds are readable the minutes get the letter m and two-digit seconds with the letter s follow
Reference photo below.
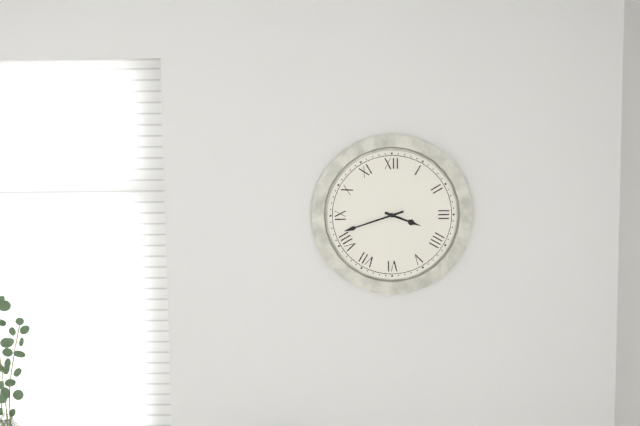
3h42
